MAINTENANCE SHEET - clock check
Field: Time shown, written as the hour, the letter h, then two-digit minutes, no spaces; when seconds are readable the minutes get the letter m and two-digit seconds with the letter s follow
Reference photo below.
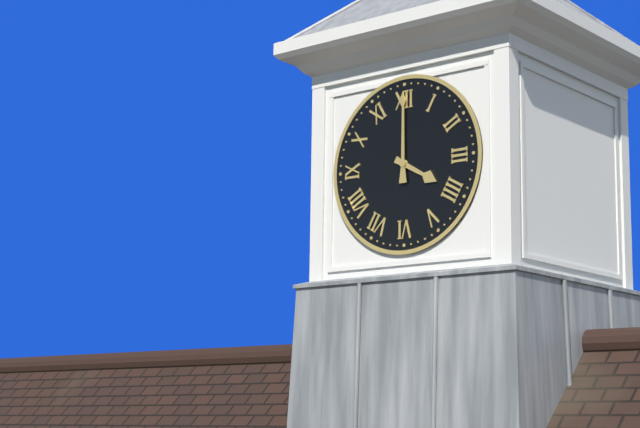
4h00
